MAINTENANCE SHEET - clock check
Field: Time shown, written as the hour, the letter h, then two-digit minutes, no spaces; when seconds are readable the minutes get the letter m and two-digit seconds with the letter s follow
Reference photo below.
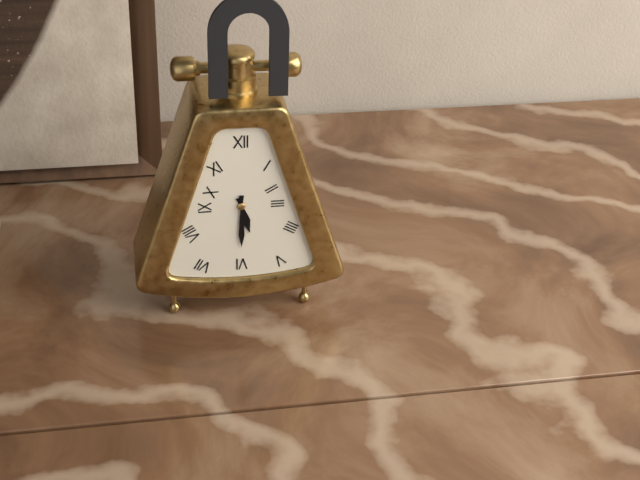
5h30
